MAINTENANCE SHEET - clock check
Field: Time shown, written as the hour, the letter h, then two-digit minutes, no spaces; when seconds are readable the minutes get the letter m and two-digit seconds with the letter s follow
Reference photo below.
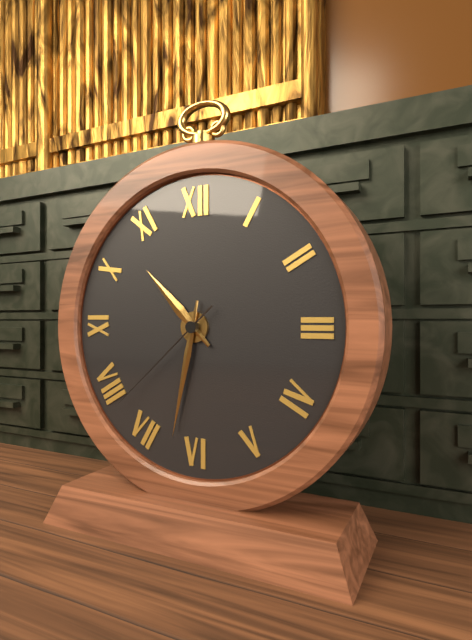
10h32m38s
